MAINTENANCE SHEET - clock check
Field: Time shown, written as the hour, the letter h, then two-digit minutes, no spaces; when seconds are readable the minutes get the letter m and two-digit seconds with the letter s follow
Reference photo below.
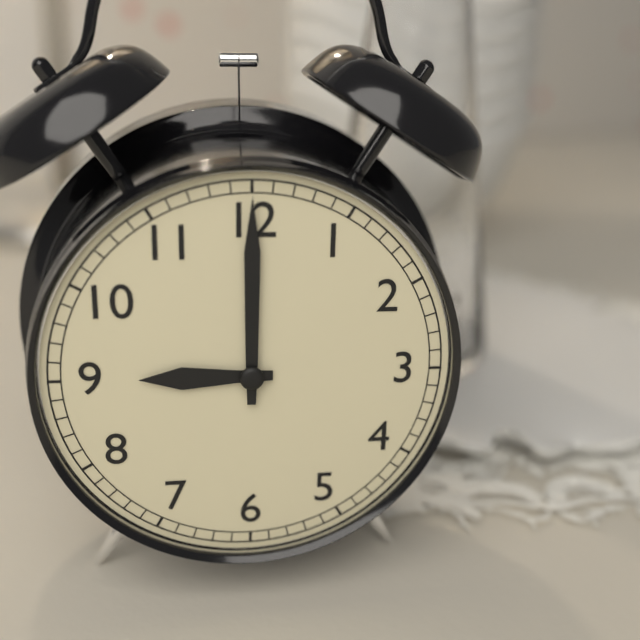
9h00
